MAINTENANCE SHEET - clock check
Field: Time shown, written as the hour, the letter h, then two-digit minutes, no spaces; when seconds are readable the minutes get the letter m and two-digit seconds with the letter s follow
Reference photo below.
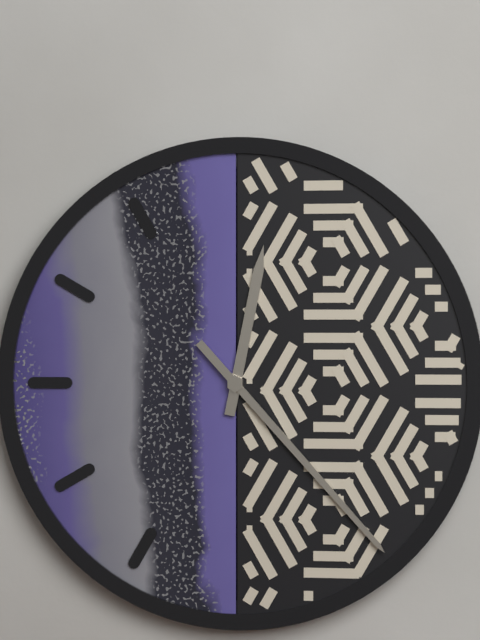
12h23
